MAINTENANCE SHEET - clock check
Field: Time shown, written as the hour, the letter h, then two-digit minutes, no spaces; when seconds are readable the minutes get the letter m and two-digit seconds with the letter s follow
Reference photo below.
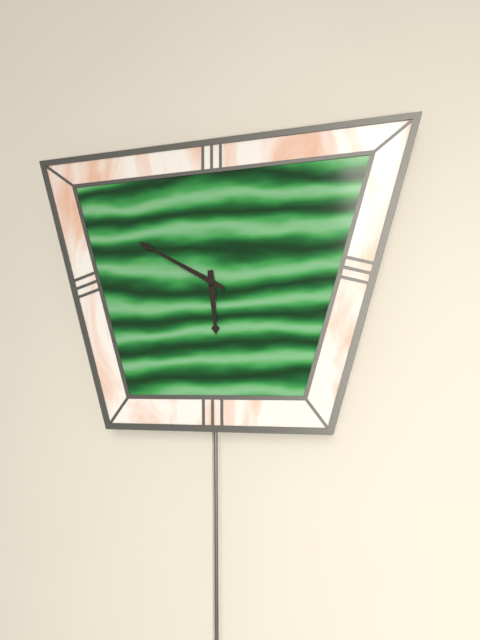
5h50
